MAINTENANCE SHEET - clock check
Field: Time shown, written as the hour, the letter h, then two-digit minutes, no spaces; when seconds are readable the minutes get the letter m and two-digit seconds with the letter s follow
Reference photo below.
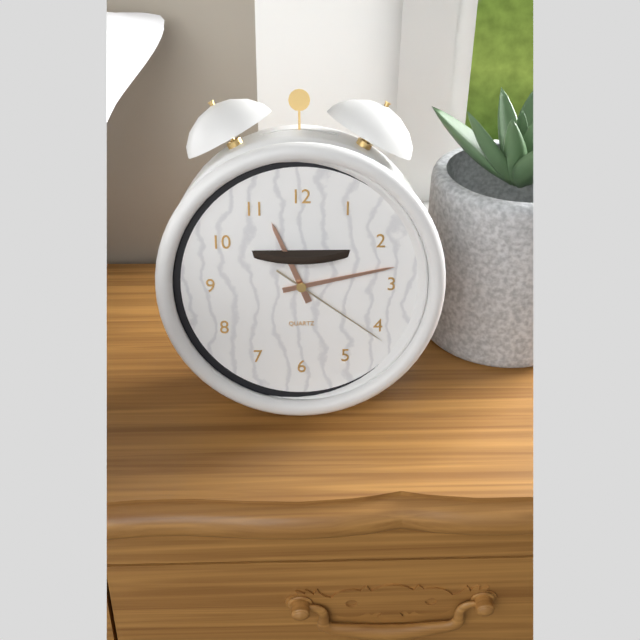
11h13m21s
